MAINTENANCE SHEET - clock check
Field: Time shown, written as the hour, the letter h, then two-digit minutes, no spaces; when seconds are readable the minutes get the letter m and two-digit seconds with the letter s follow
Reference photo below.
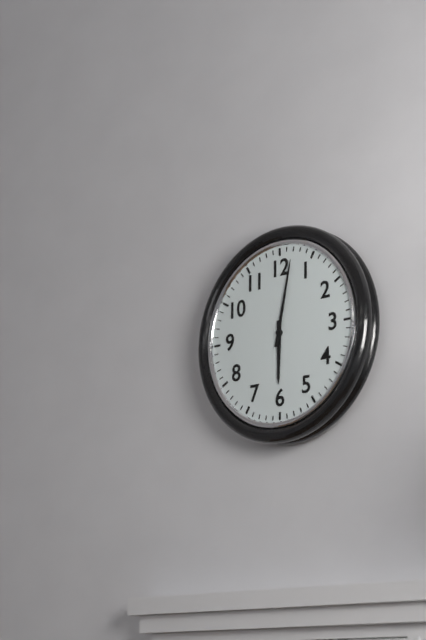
6h02
